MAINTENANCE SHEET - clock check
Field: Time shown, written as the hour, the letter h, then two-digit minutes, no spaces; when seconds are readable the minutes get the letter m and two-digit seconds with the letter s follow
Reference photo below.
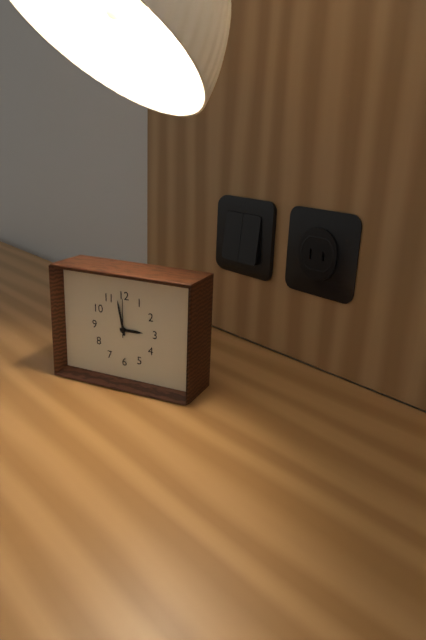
2h58
